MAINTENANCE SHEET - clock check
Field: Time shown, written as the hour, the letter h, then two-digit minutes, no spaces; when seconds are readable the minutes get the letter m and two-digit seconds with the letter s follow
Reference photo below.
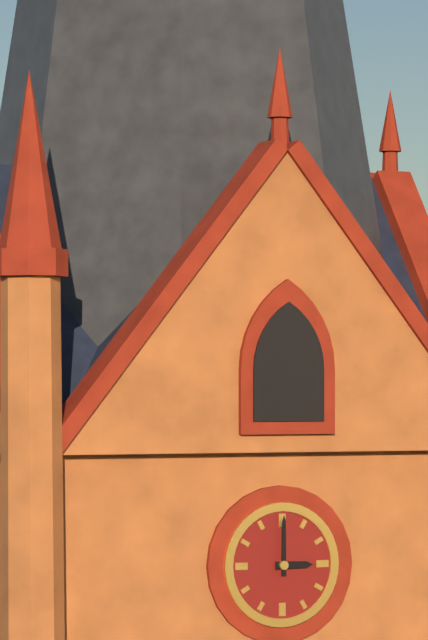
3h00
